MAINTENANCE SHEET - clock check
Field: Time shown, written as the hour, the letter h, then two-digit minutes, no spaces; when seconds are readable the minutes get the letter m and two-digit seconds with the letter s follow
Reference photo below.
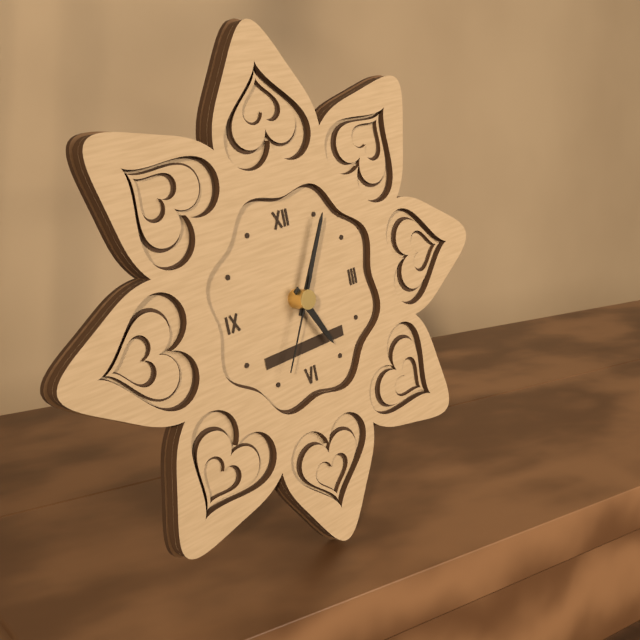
5h05m35s
